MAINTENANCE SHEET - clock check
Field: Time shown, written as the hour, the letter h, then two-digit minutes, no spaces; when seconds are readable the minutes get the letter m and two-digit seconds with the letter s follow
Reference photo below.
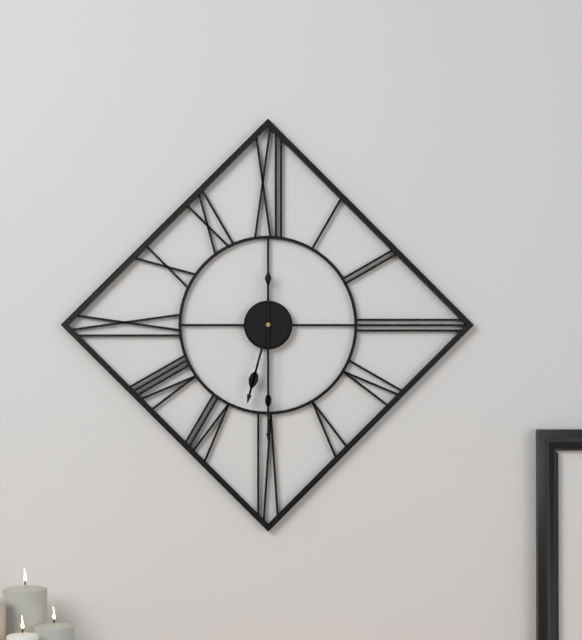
6h30
